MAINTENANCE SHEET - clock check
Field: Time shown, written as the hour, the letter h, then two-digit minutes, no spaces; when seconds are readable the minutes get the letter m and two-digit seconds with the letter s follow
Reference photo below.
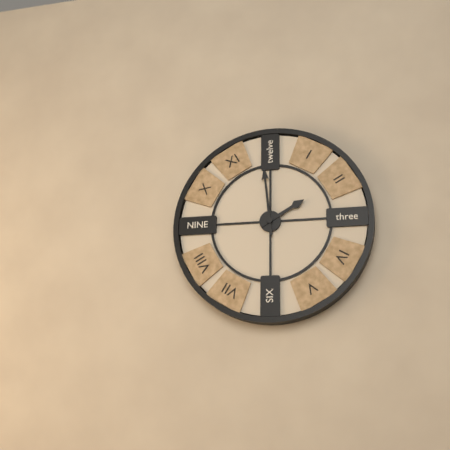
1h59
